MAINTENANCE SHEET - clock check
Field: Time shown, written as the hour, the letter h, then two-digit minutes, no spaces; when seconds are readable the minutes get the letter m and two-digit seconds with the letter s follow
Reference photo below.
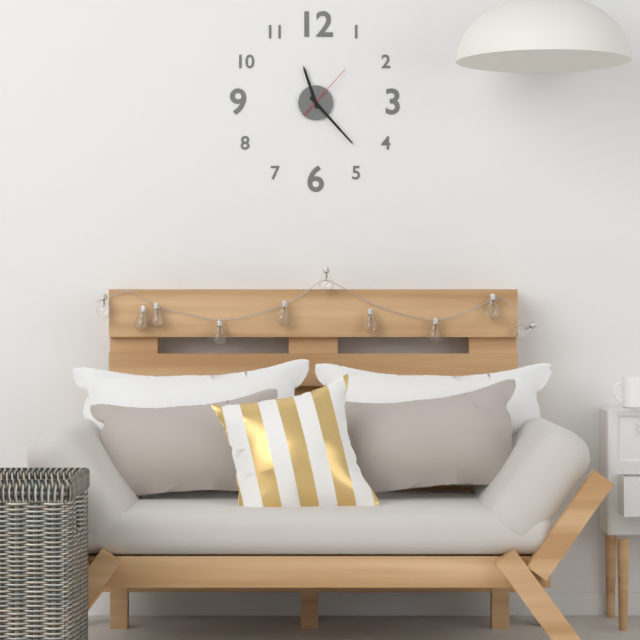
11h23m07s
